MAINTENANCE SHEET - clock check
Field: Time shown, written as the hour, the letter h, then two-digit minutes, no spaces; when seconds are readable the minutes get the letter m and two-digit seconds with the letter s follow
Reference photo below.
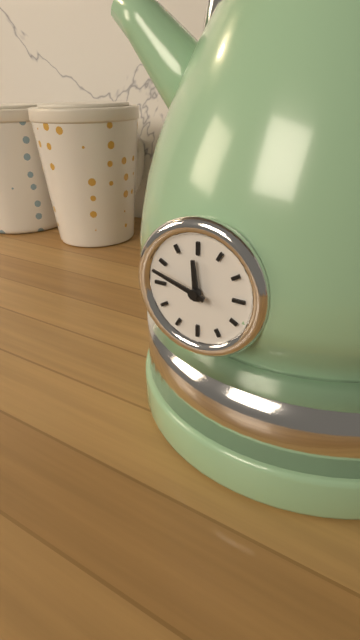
11h48
